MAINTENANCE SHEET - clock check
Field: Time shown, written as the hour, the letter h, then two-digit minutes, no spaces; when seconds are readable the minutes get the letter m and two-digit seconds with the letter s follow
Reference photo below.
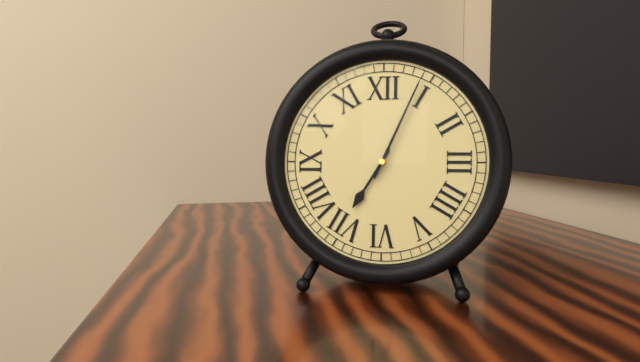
7h04
